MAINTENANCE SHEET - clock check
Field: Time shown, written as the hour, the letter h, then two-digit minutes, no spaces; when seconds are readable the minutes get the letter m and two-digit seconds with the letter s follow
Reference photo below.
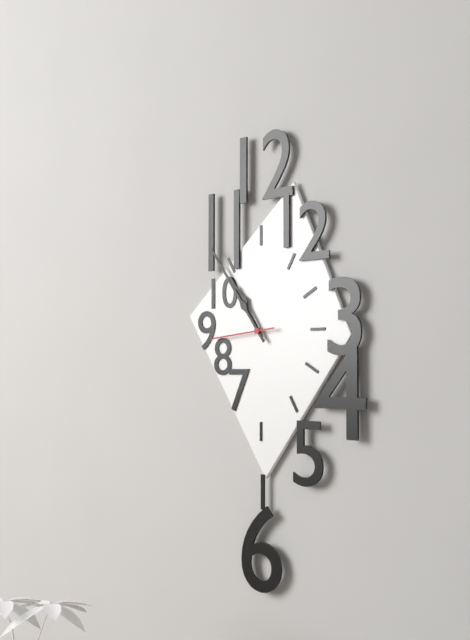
10h54m44s
